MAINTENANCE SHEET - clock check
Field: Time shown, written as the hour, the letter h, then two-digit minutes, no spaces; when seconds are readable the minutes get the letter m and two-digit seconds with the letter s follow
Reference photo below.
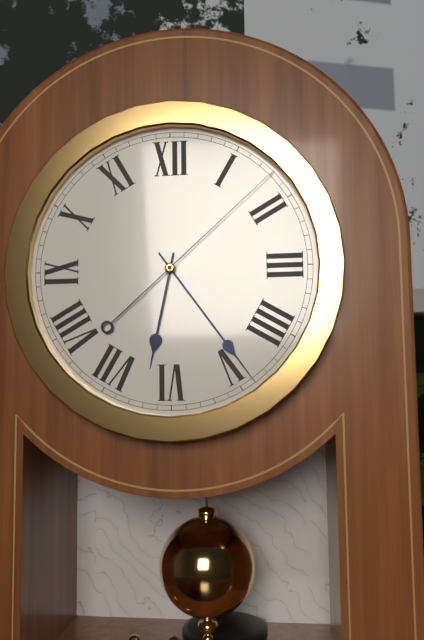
6h24m08s
